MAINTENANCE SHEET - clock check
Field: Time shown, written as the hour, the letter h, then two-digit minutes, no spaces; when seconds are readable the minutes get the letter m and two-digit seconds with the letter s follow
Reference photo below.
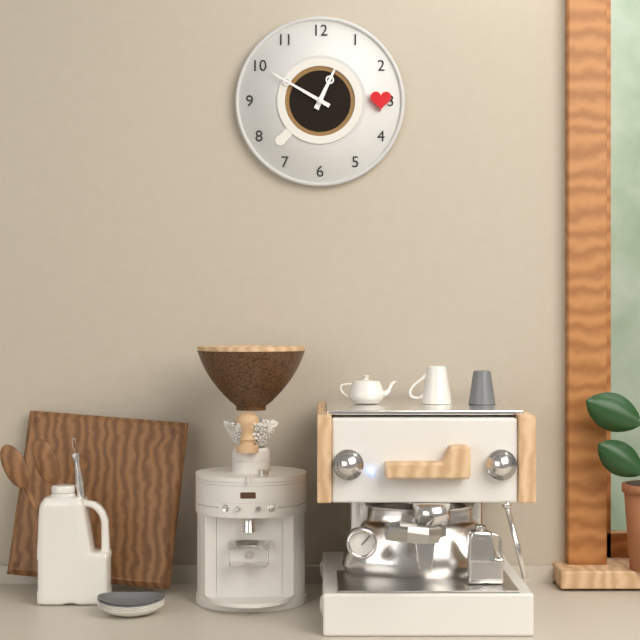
12h50
